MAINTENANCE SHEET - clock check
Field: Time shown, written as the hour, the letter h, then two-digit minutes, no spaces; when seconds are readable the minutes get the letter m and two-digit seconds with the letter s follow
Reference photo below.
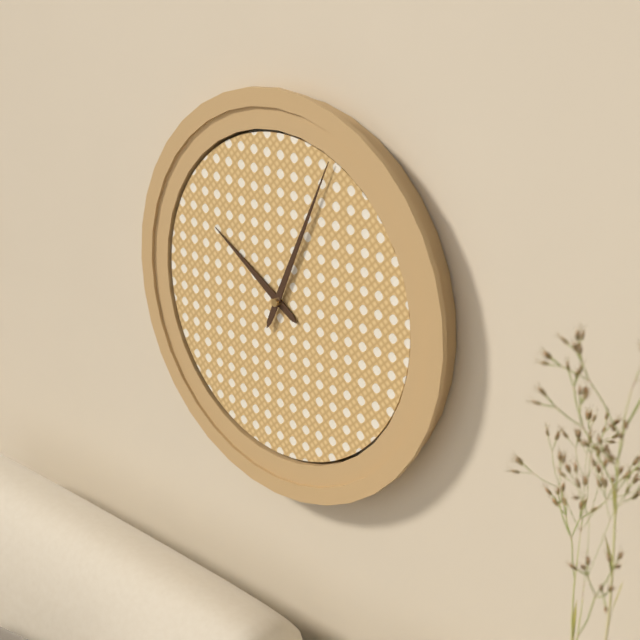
10h04
